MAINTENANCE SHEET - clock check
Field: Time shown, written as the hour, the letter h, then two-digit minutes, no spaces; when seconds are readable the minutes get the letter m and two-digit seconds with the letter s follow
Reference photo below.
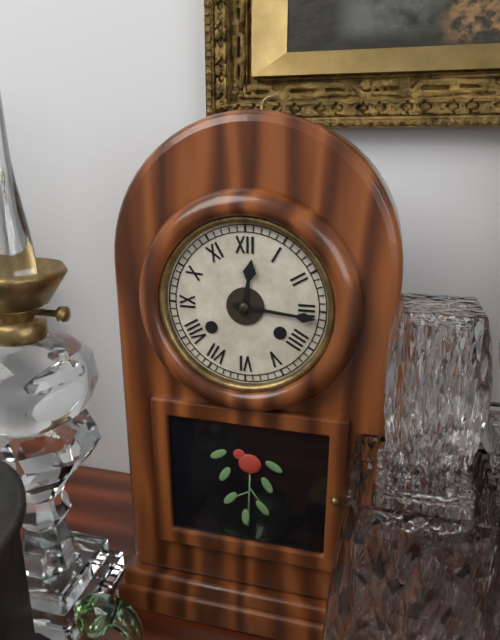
12h16
